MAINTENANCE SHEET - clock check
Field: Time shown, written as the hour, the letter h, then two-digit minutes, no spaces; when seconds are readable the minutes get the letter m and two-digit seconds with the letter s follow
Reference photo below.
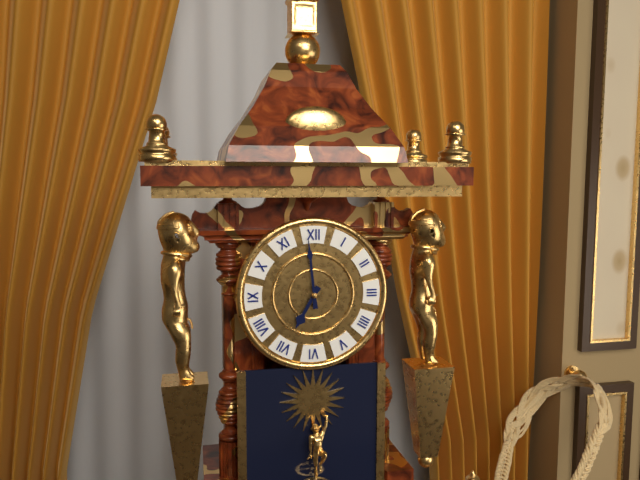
6h59
